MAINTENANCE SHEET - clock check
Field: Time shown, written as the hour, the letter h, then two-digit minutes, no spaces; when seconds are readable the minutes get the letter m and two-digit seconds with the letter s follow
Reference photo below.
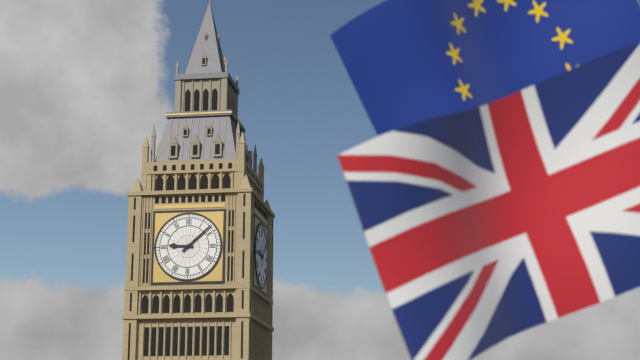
9h08
